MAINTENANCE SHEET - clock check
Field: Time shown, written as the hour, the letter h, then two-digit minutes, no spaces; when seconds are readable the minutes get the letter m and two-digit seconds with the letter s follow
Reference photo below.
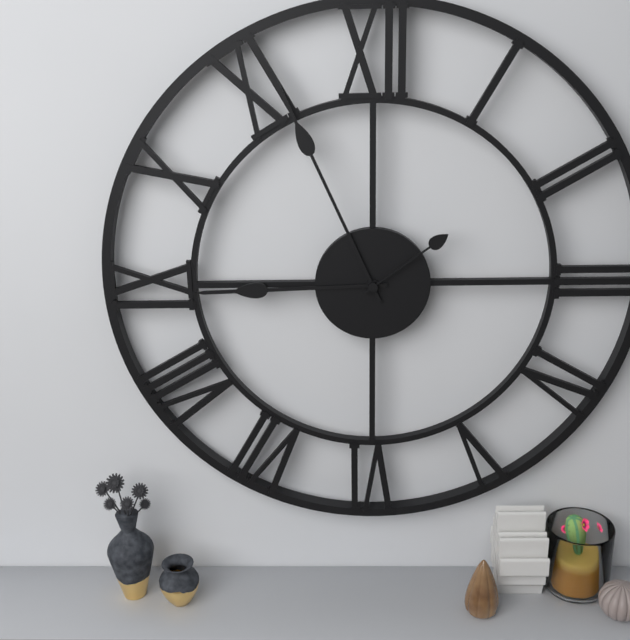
8h56m09s
